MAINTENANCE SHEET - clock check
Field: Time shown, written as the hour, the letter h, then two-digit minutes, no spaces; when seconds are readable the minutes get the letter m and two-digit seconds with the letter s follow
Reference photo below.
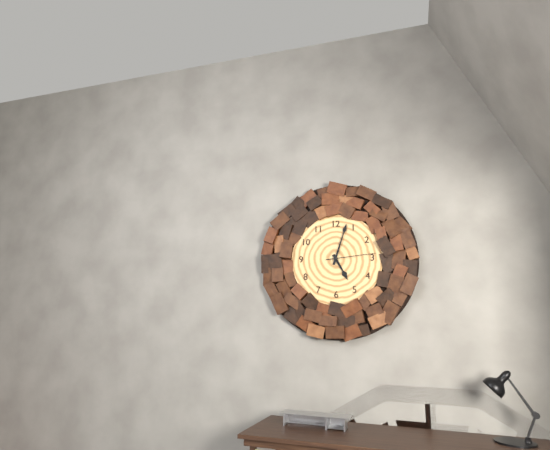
5h03m14s
